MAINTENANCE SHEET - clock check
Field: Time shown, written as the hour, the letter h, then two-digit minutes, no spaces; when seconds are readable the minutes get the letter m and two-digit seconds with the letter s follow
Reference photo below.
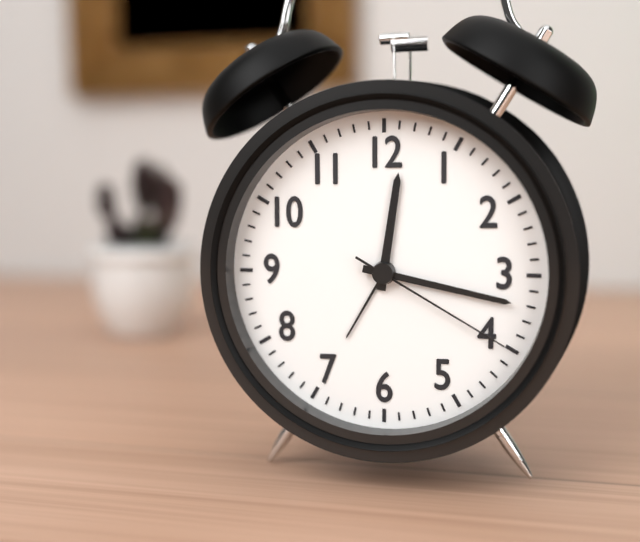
12h17m20s
